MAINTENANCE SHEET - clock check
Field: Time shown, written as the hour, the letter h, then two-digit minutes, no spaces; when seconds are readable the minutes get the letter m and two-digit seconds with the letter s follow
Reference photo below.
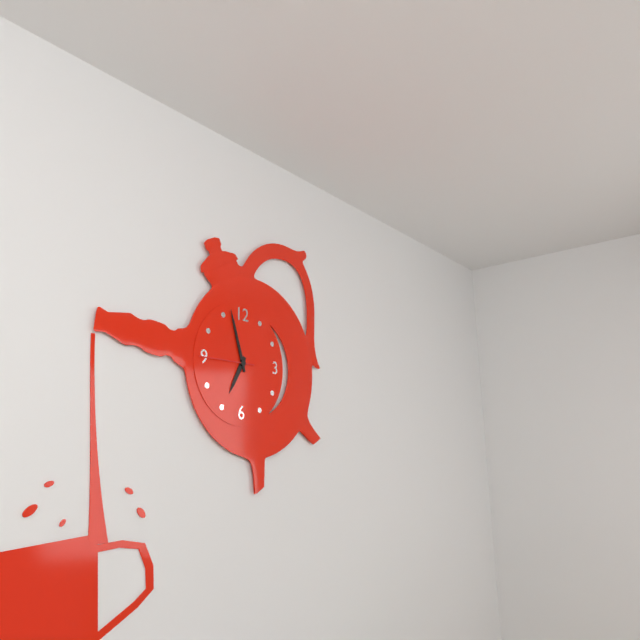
6h57m45s
